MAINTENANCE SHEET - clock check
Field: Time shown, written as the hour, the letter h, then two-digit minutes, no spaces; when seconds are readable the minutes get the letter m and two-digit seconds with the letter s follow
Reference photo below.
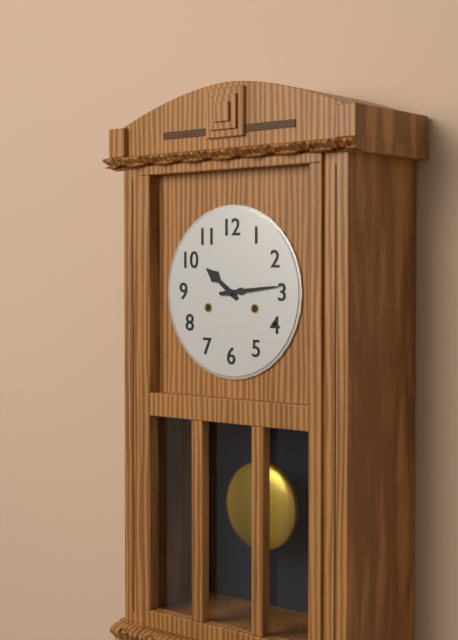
10h14
